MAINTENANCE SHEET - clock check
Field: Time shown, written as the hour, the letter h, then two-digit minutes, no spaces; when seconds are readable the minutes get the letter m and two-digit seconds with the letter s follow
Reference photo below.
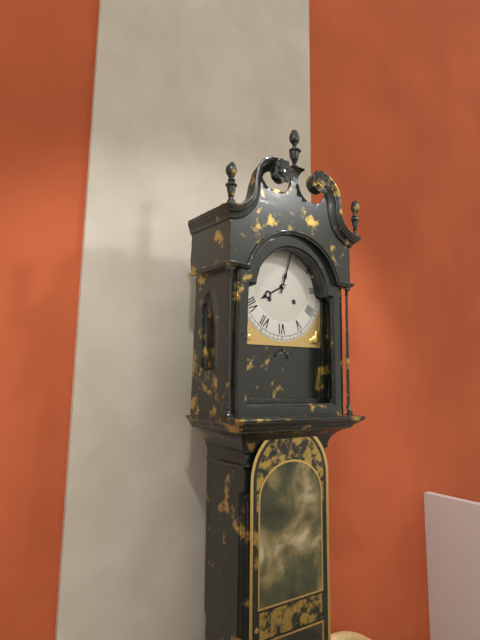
8h03
